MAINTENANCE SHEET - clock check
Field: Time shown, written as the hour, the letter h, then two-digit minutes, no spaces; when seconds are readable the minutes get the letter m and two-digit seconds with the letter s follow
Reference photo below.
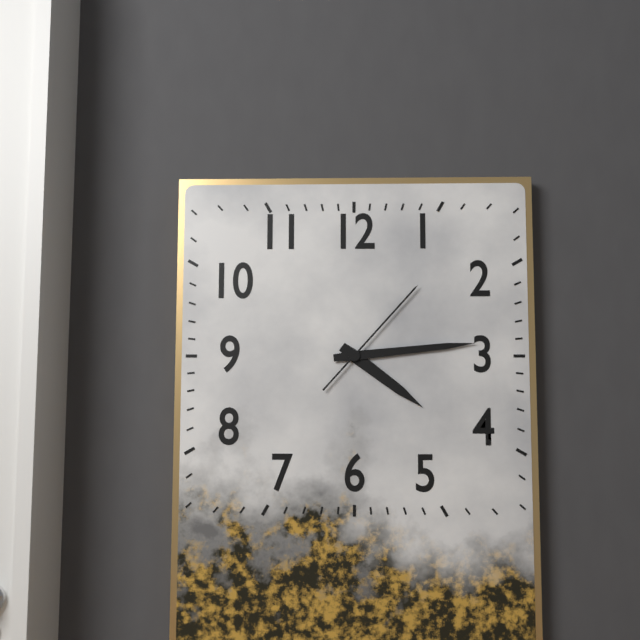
4h14m07s
